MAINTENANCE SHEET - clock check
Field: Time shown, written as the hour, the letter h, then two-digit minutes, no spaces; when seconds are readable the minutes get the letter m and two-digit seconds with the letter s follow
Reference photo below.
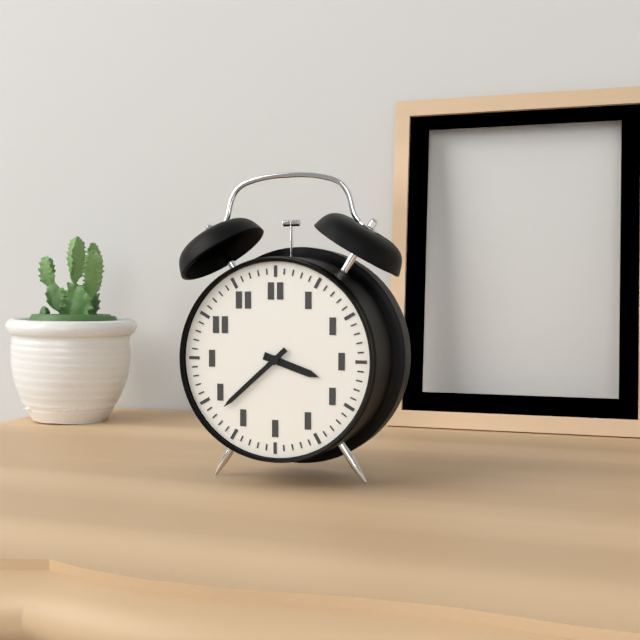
3h38
